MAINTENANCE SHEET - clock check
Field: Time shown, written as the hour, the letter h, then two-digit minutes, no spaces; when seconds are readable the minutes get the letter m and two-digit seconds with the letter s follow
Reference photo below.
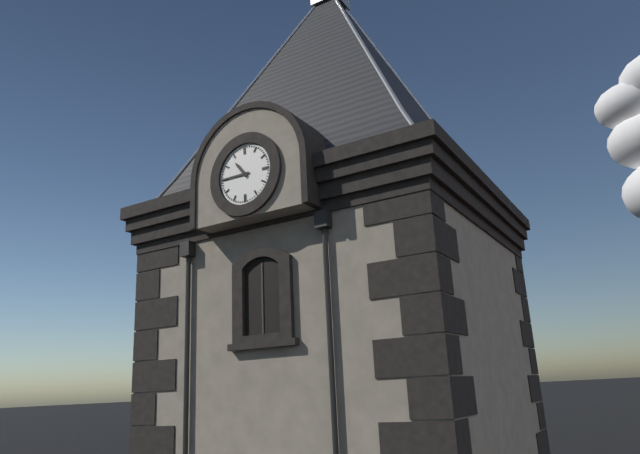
10h45
